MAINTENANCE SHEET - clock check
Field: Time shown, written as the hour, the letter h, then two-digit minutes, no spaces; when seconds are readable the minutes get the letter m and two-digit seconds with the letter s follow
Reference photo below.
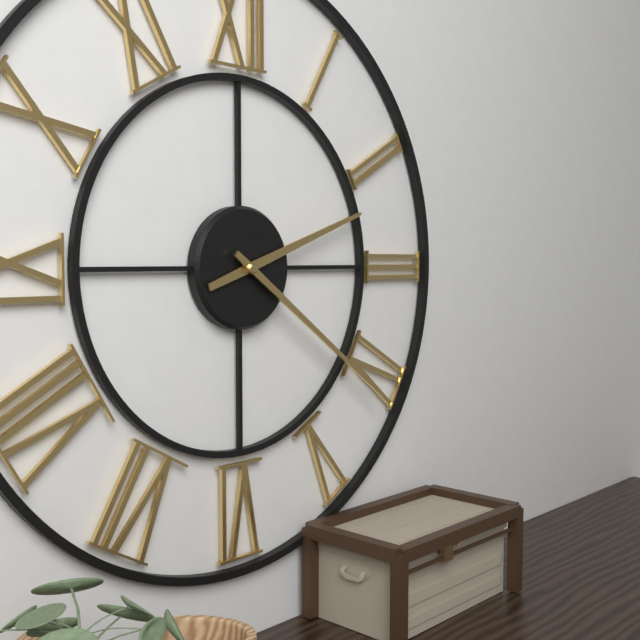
2h21
